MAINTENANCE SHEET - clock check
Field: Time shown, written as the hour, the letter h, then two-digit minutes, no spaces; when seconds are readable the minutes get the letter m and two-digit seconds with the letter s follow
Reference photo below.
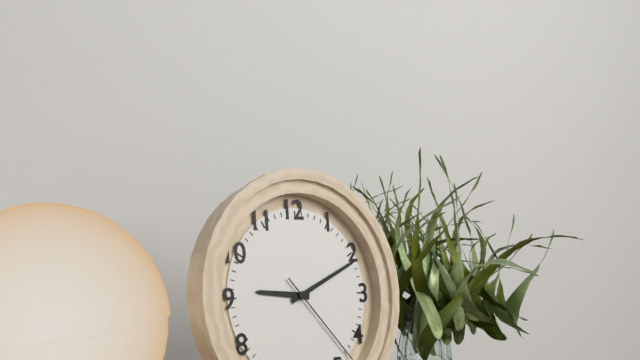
9h11
